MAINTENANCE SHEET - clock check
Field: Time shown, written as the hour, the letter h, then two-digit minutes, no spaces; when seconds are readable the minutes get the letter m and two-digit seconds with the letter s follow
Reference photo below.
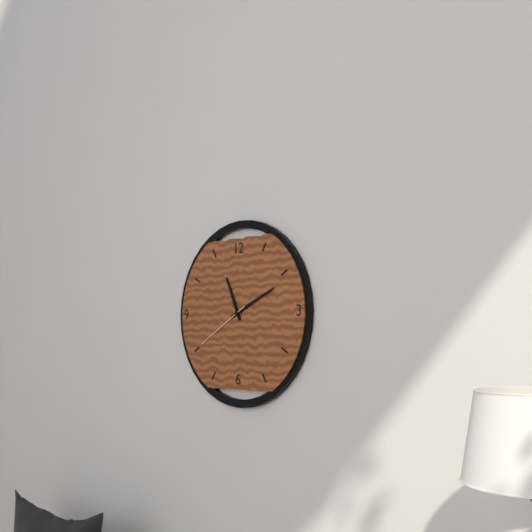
11h11m40s
